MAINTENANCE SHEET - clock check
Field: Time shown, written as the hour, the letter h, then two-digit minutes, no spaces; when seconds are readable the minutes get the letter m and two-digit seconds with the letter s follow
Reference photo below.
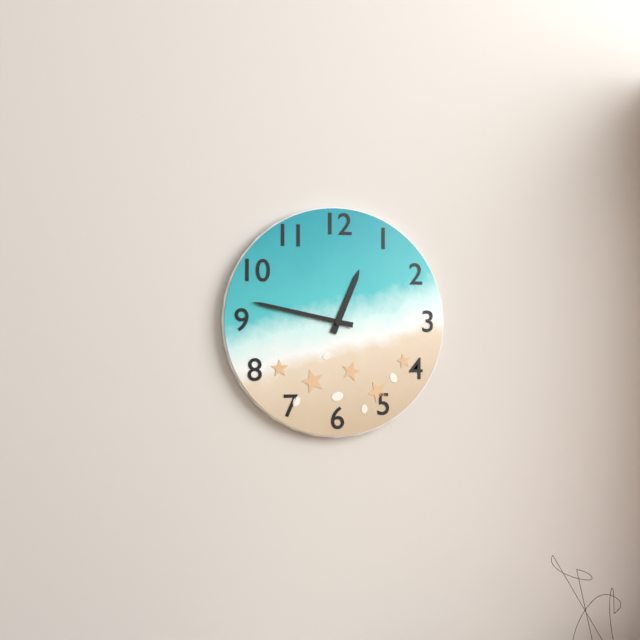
12h47
